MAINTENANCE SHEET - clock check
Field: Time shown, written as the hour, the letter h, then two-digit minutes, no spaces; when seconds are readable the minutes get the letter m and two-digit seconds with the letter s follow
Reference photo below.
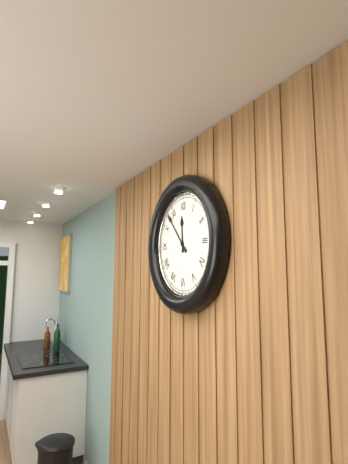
11h53
